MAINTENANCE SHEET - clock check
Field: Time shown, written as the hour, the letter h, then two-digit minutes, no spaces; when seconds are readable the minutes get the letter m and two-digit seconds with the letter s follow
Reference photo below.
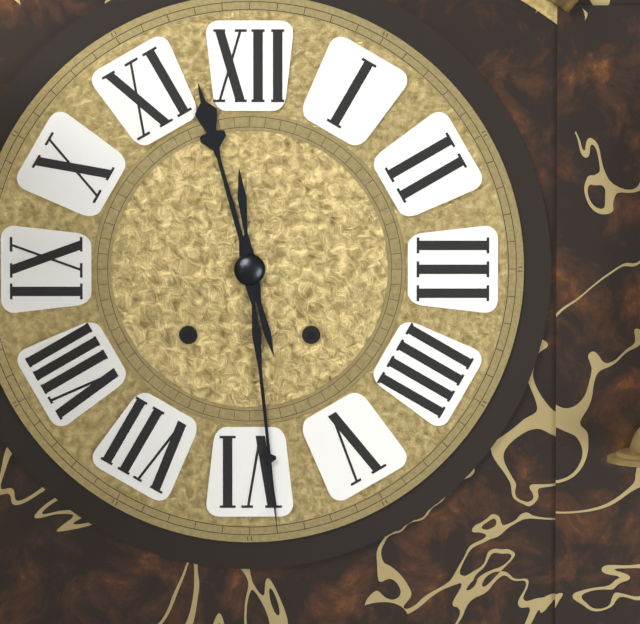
11h29
